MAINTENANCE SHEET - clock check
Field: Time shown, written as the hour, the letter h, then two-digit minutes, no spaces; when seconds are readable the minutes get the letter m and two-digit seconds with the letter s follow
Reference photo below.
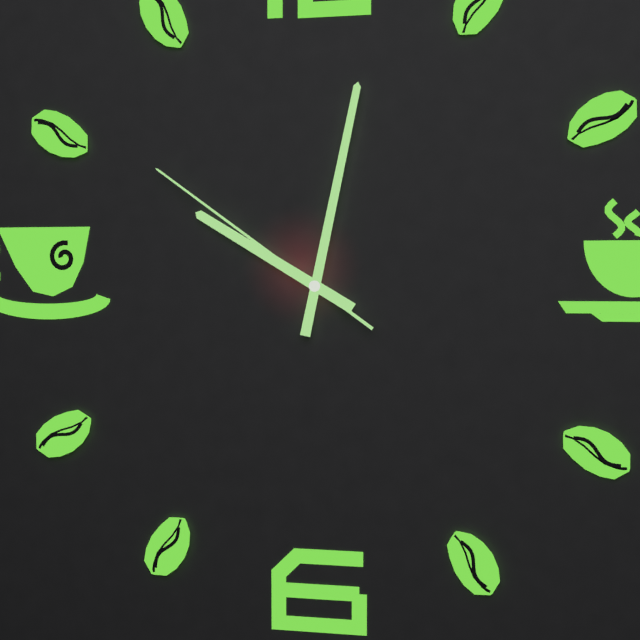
10h02m51s
